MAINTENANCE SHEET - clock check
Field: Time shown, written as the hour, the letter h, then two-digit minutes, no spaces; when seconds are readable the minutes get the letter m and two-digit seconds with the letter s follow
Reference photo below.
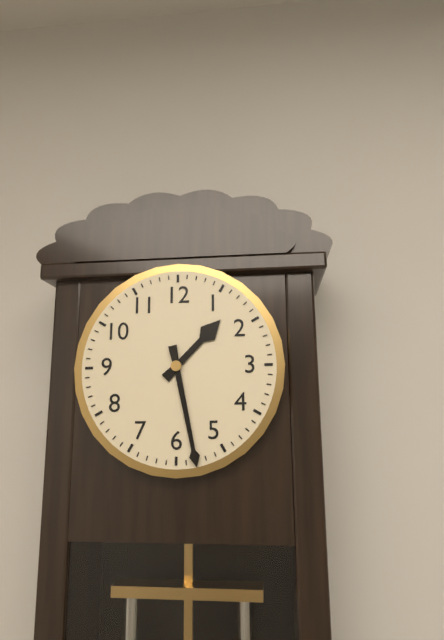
1h28
